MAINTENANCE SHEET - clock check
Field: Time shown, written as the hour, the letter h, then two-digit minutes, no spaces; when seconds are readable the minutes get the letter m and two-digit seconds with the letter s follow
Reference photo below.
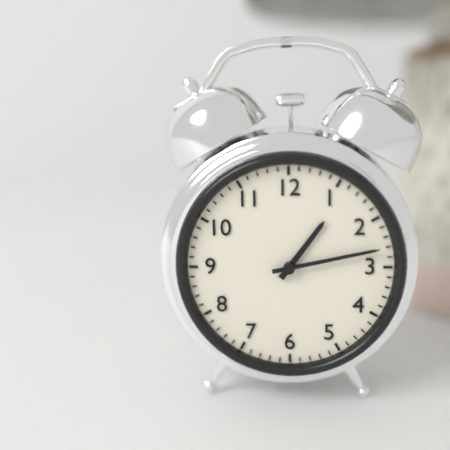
1h13
